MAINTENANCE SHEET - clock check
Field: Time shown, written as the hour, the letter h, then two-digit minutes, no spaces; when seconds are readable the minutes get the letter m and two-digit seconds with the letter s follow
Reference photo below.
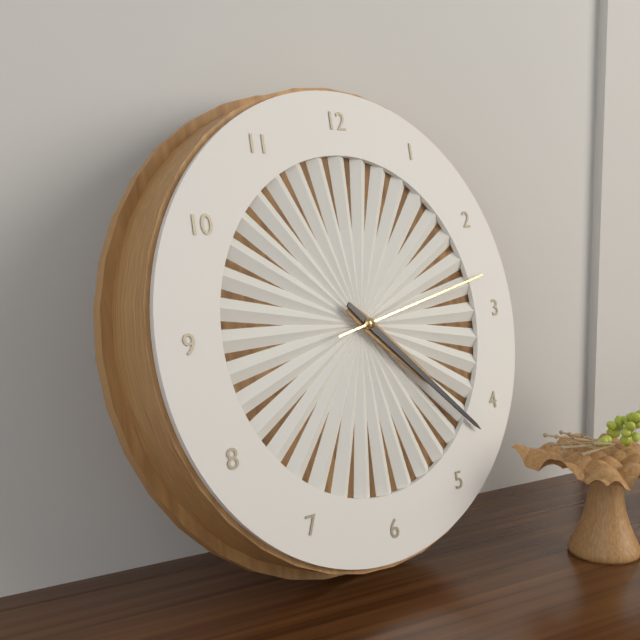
4h22m13s
